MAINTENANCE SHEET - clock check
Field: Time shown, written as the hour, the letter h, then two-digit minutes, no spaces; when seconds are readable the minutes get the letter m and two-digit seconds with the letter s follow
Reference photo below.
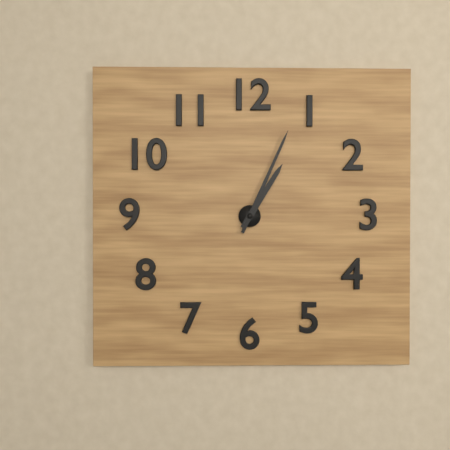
1h04
